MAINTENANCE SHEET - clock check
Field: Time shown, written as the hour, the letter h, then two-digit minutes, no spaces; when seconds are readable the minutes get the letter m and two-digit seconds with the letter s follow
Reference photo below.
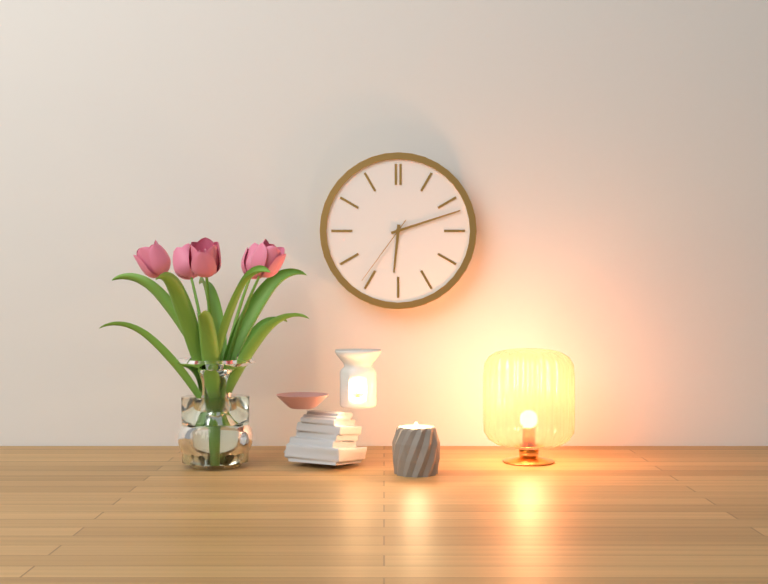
6h12m36s
